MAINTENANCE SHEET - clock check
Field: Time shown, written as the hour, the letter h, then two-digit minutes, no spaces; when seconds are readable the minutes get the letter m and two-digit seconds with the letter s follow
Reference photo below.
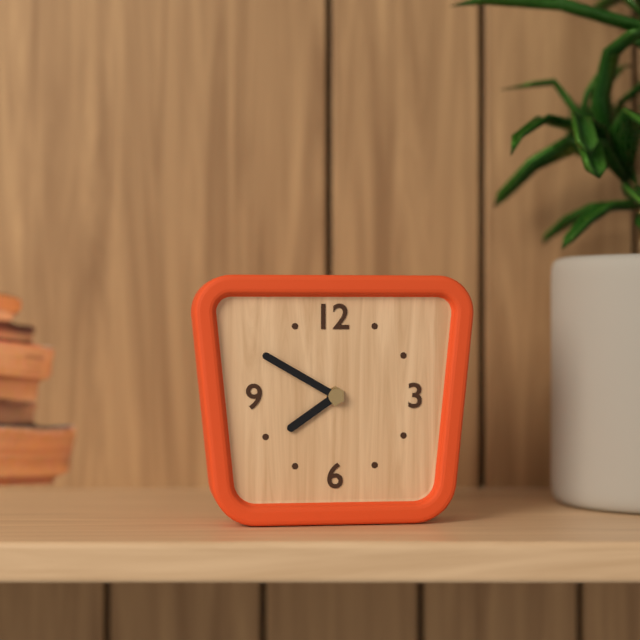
7h50
